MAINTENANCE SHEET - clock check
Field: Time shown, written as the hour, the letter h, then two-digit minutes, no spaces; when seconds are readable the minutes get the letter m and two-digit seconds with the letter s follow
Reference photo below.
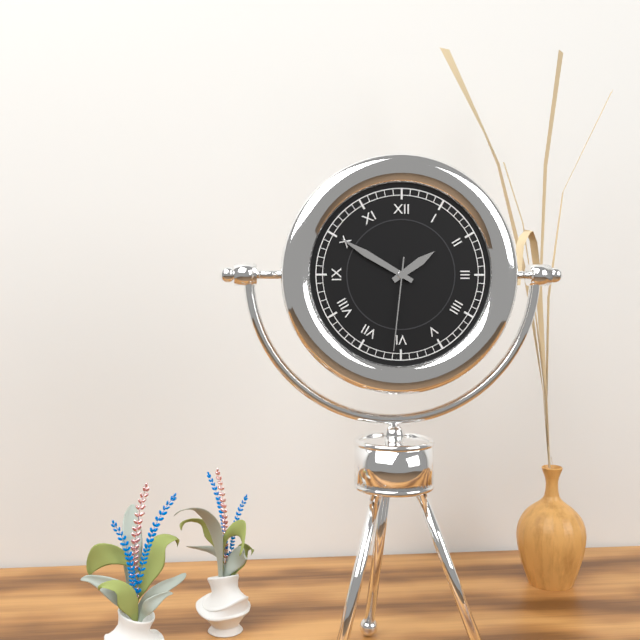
1h50m31s
